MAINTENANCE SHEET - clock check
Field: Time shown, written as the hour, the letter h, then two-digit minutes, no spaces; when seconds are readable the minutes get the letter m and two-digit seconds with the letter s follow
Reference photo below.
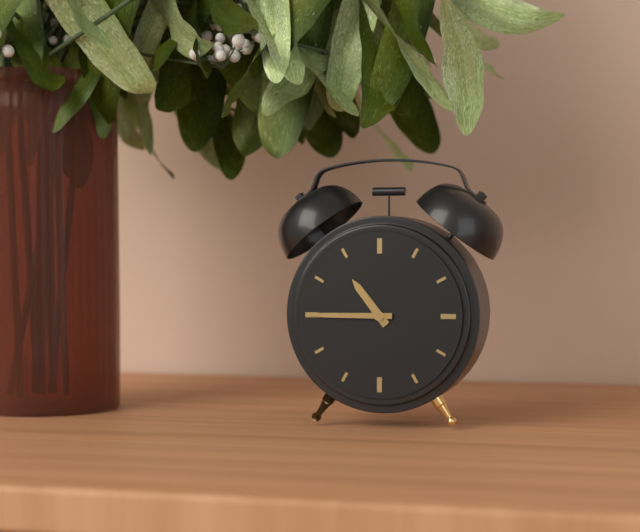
10h45
